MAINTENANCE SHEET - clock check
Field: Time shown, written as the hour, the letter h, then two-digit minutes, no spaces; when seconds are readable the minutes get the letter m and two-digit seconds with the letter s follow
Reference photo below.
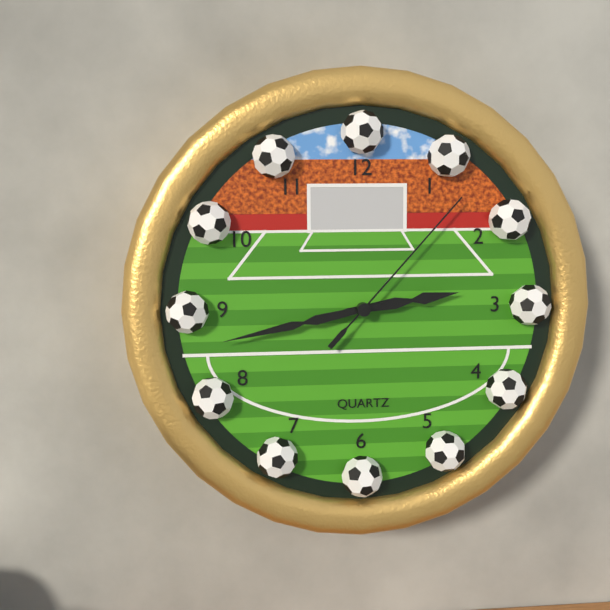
2h43m07s
